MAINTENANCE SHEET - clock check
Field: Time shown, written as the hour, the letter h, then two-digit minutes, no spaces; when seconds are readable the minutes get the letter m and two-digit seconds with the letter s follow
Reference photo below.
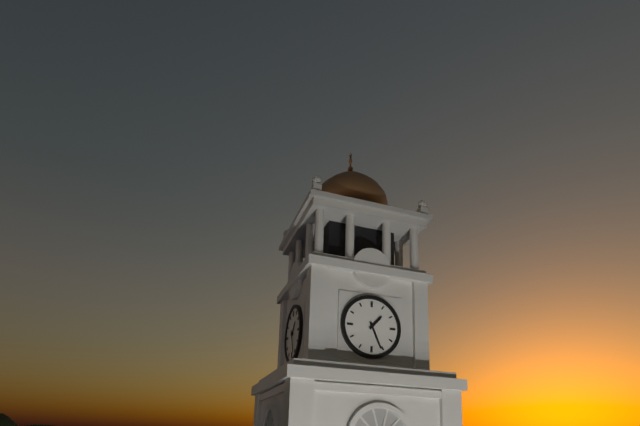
1h26
